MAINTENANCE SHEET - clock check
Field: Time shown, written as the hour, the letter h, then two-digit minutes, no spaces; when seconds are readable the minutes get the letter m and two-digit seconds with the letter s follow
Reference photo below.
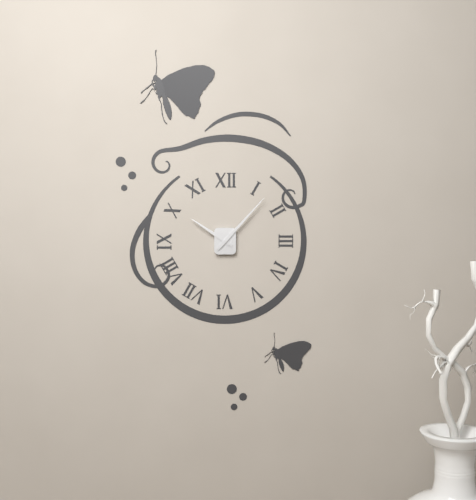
10h07
